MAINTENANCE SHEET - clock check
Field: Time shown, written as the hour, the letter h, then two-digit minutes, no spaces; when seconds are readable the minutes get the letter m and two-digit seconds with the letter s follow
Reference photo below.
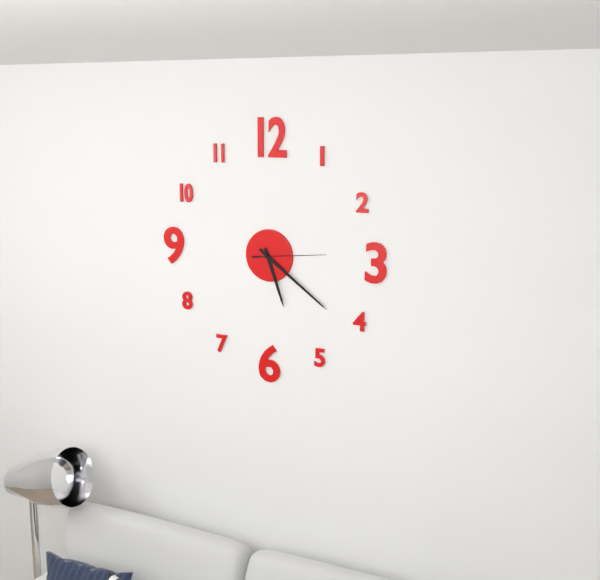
5h21m14s
